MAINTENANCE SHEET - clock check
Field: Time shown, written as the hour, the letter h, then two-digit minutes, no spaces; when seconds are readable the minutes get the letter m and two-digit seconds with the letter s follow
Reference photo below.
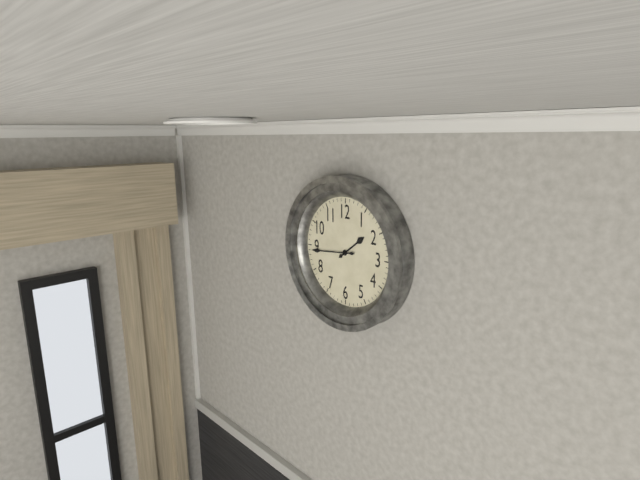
1h44
